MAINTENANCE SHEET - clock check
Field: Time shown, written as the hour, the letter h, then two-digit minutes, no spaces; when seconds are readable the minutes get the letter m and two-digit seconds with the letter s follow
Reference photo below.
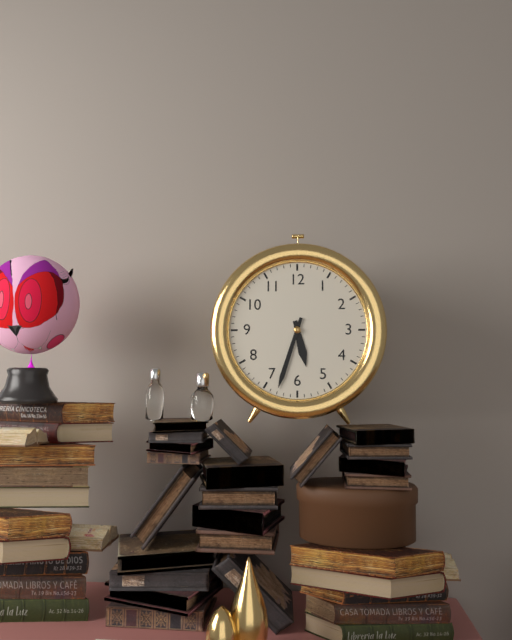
5h33
